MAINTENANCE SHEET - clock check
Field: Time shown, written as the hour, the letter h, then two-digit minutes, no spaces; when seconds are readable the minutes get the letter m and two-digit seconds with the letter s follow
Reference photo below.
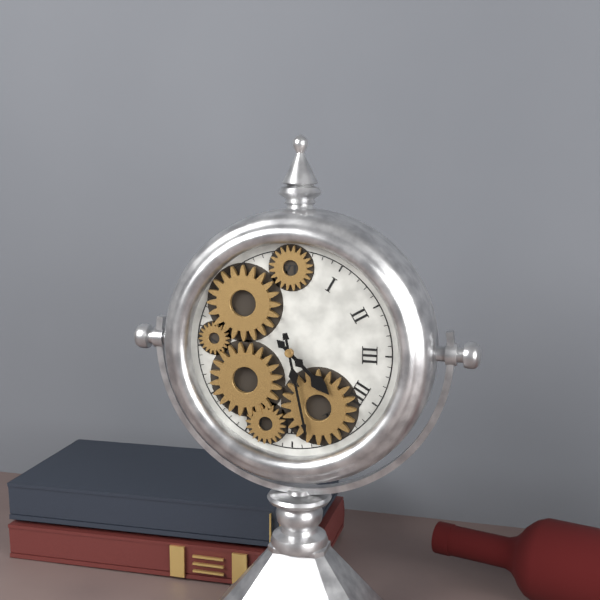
4h28
